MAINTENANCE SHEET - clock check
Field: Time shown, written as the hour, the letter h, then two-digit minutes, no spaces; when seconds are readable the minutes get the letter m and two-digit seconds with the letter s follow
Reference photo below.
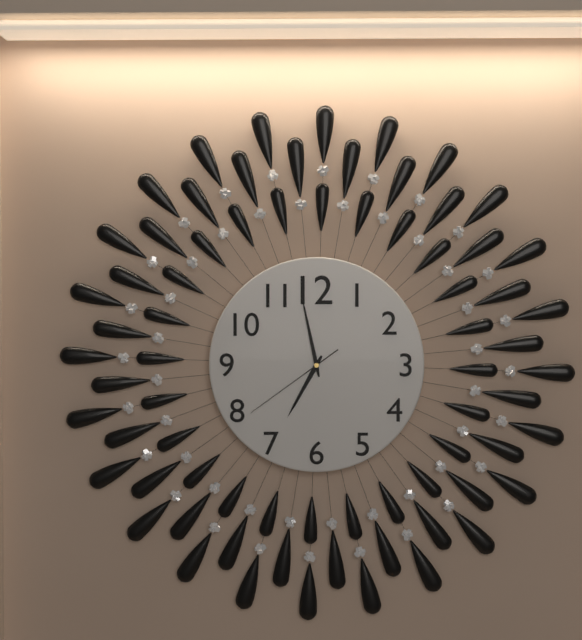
6h58m39s
